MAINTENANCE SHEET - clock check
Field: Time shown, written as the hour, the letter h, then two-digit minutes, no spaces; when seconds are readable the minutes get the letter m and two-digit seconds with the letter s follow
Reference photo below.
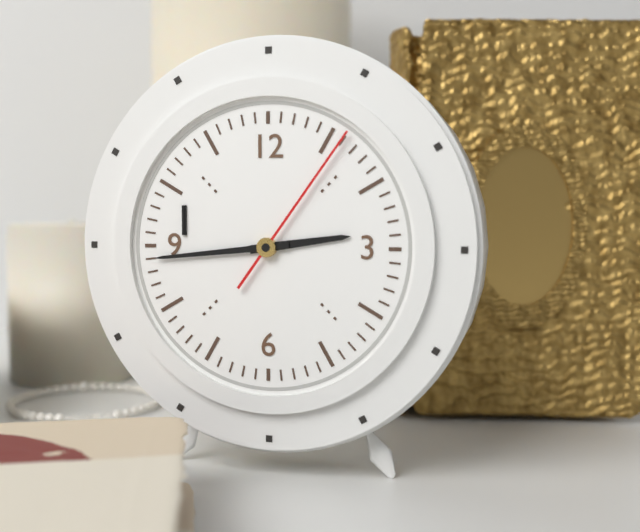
2h44m06s
